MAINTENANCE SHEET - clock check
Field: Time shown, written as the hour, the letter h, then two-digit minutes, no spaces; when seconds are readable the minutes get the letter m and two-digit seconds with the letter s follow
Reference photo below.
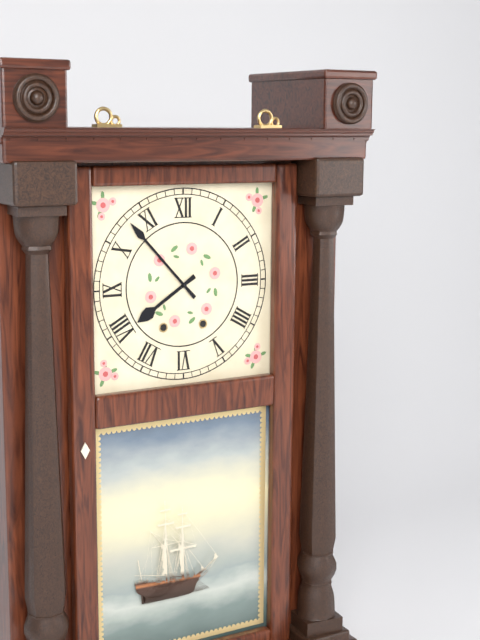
7h53
